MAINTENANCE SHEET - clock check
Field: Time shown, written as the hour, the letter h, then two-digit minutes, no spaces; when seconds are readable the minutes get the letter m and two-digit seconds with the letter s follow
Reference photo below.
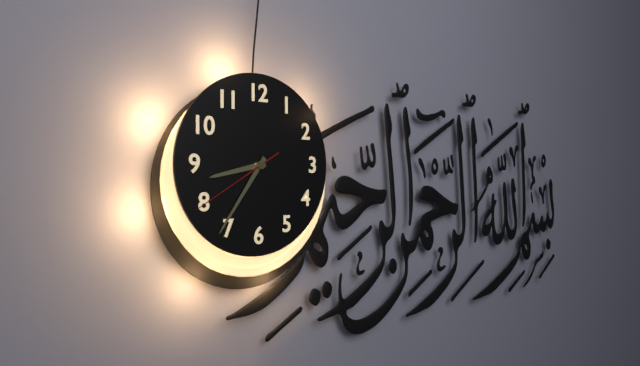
8h36m40s
